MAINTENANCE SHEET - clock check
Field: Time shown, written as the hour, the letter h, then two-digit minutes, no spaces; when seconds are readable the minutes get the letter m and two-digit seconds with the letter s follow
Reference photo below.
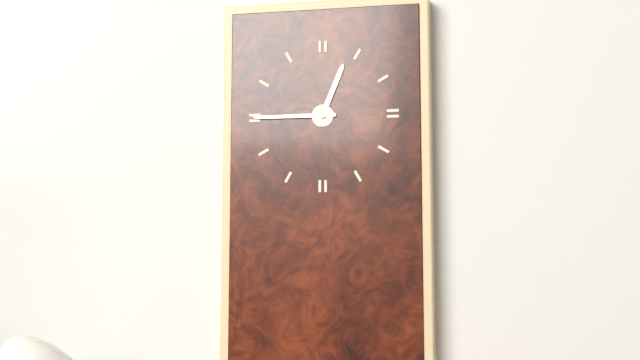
12h45
